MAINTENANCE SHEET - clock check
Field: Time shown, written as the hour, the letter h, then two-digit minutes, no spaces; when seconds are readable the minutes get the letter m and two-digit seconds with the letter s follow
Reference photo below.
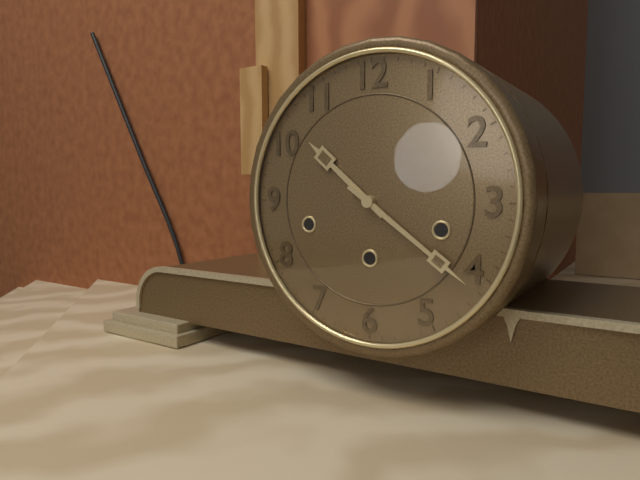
10h21
